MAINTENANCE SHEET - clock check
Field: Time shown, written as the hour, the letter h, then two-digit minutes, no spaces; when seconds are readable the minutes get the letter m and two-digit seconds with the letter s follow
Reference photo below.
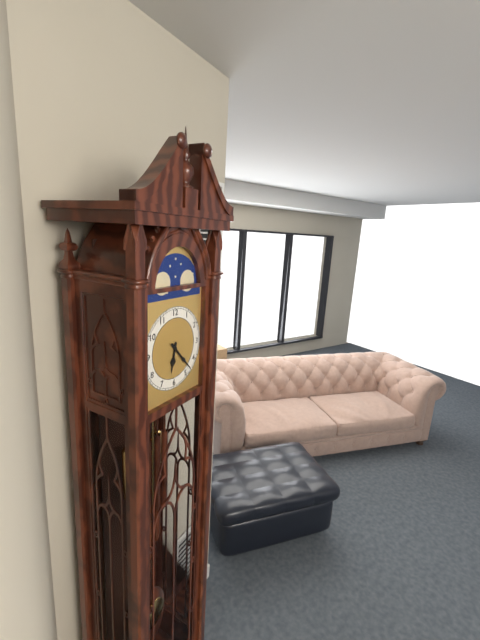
6h23
